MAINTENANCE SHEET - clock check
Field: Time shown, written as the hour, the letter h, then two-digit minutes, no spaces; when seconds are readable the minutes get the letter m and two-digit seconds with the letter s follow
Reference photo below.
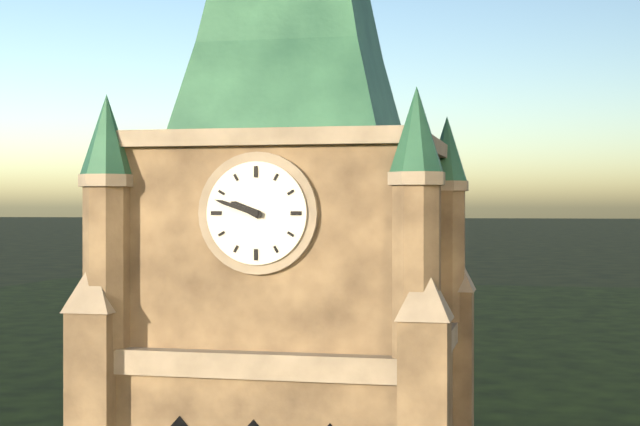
9h48
